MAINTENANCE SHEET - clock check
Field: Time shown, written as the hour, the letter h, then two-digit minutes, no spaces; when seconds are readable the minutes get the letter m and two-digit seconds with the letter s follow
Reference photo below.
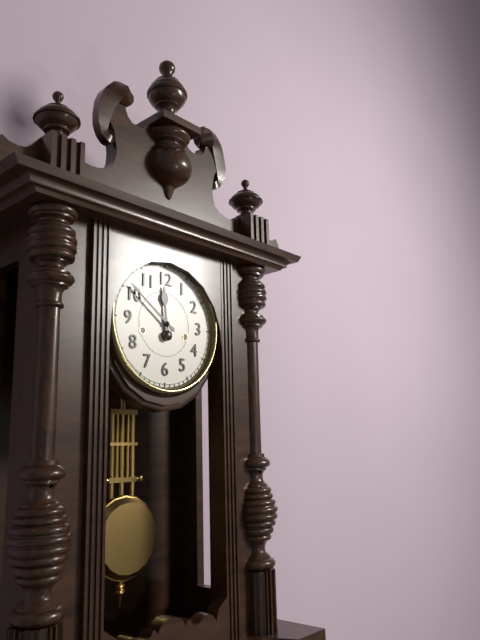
11h51
